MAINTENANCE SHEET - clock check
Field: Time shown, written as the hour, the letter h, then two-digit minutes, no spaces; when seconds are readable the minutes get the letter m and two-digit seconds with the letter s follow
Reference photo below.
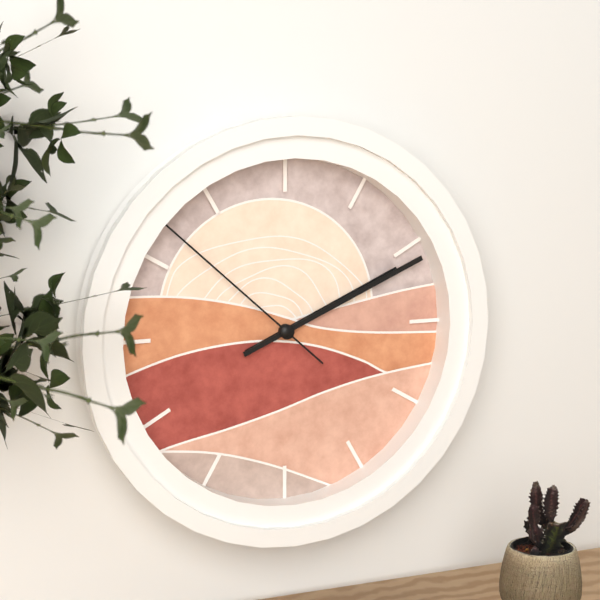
2h11m52s
